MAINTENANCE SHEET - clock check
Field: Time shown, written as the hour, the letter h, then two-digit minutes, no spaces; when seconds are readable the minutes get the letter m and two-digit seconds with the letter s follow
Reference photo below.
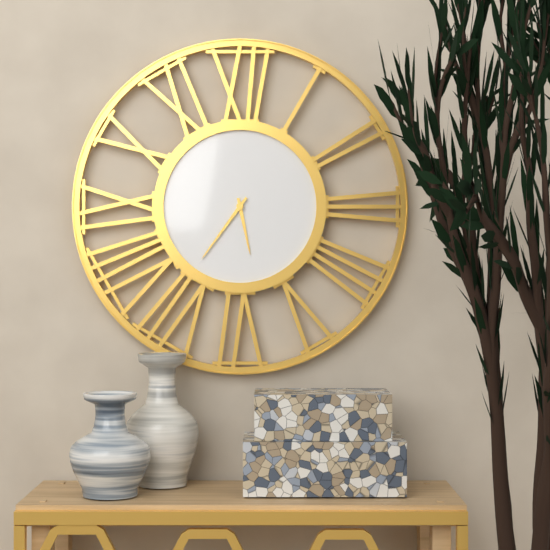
5h36
